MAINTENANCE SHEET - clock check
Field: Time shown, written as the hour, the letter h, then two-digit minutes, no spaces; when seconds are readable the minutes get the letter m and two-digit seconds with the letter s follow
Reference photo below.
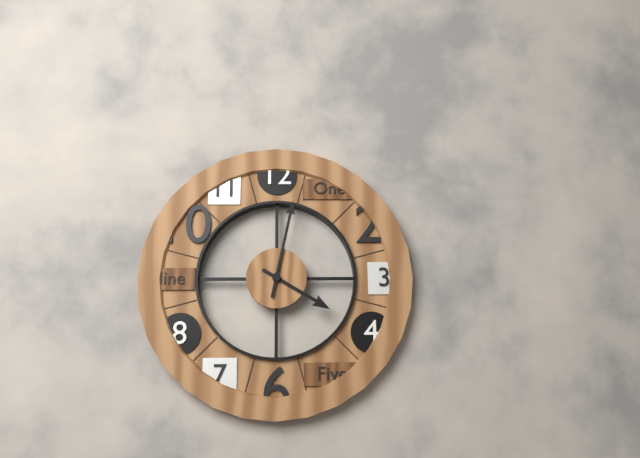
4h02
